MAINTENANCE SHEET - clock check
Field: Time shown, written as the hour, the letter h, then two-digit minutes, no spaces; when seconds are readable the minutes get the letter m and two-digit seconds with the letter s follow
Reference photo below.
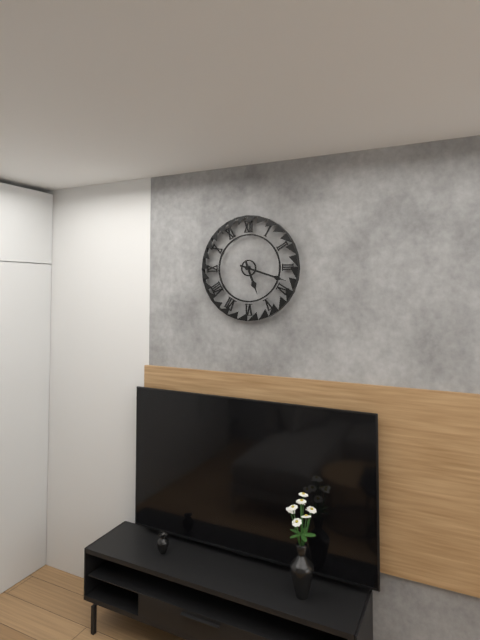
5h18
